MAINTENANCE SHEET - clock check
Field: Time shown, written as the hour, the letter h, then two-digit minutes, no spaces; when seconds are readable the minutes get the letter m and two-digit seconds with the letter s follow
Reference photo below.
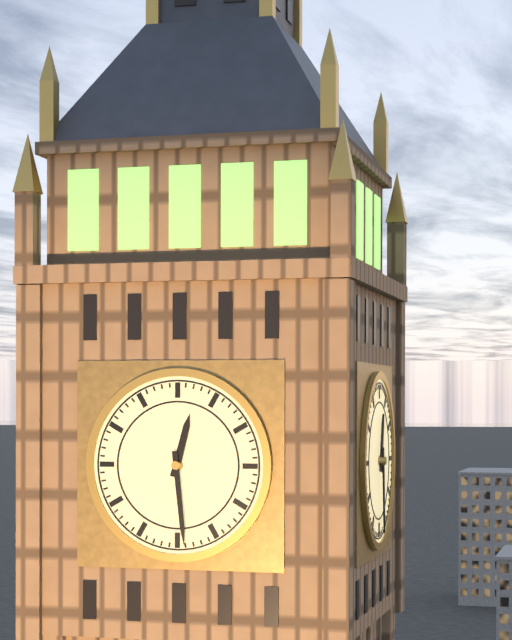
12h29
